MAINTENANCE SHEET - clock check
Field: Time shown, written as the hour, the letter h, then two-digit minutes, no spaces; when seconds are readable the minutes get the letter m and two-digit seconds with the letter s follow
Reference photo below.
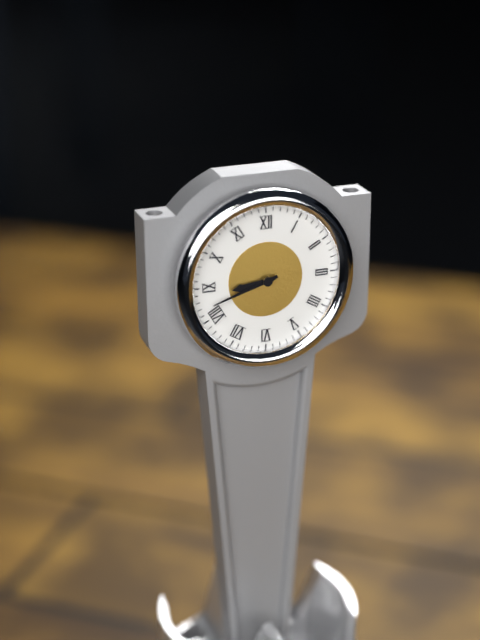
8h42
